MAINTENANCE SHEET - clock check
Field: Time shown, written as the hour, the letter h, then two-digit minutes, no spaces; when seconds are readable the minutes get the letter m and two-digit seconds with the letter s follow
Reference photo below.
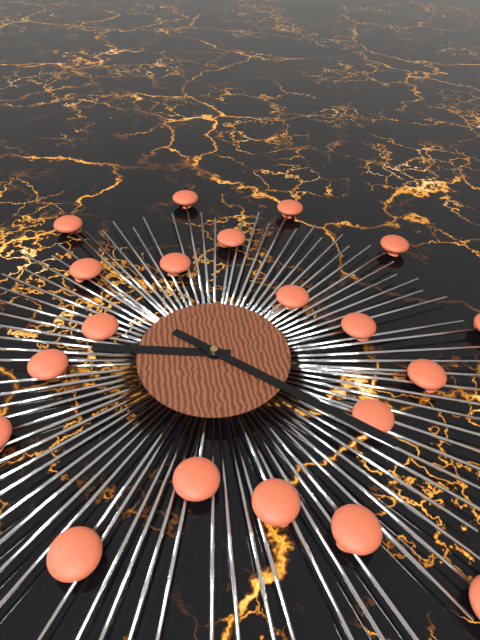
9h22
